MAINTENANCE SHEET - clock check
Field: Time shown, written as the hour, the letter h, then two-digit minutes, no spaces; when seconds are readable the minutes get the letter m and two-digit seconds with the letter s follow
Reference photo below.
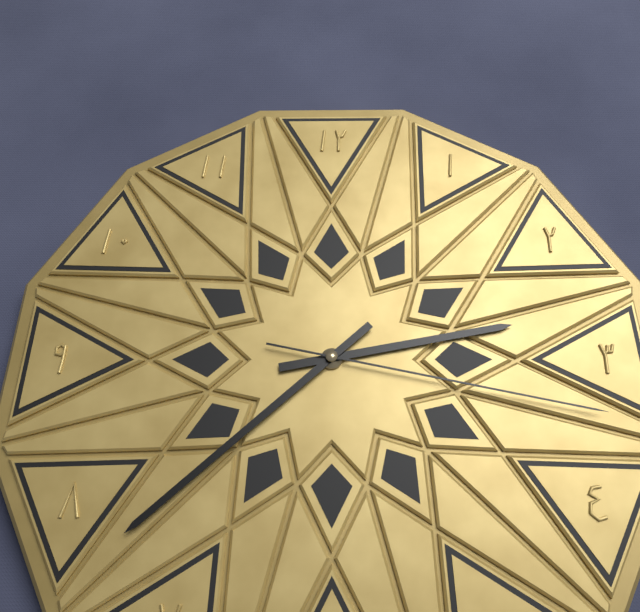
2h38m17s
